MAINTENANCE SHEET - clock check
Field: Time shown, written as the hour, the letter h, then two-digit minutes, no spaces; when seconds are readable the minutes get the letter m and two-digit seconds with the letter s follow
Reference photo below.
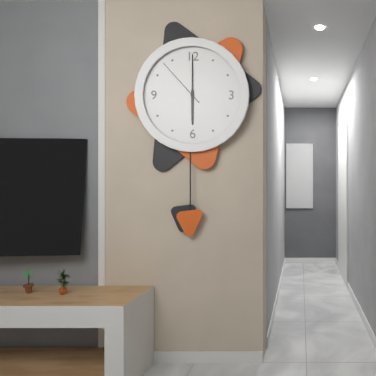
6h00m53s
